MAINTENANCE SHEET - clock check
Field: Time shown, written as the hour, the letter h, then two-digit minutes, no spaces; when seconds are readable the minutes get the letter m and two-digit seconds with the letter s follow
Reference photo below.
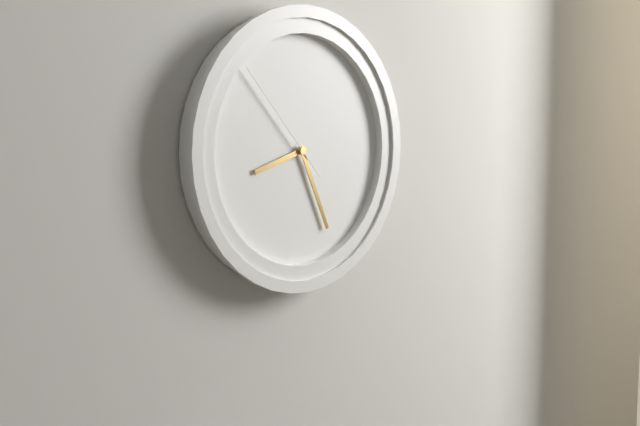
8h26m53s
